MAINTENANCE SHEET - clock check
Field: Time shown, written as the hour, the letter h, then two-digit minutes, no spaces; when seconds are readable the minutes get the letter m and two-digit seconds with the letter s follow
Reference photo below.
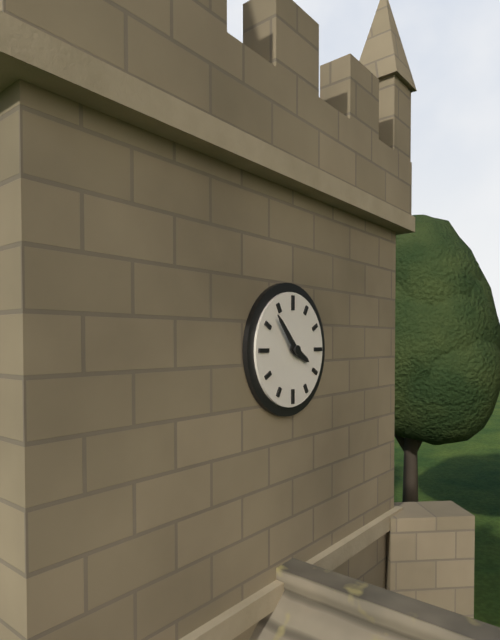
3h53
